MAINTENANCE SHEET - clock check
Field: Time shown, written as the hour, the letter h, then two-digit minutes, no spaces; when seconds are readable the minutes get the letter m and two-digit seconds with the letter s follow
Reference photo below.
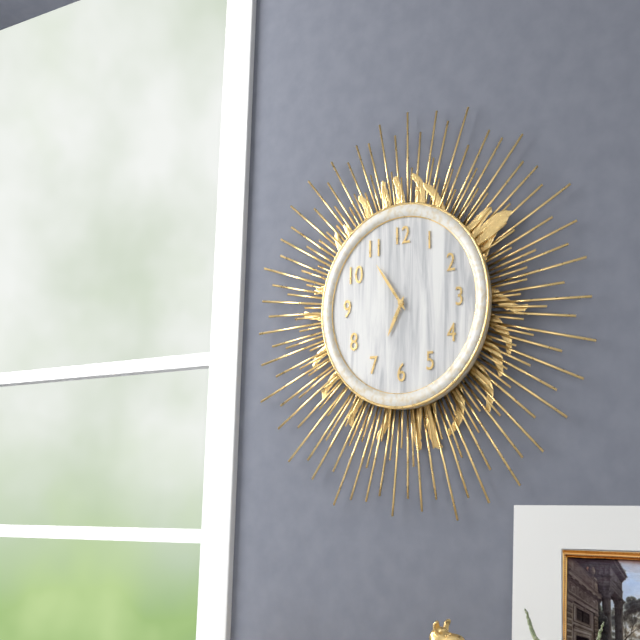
6h54
